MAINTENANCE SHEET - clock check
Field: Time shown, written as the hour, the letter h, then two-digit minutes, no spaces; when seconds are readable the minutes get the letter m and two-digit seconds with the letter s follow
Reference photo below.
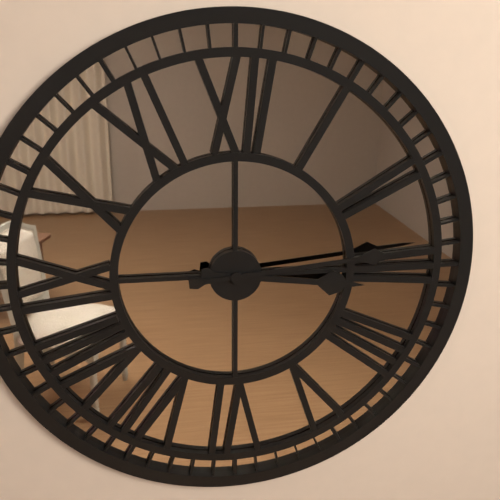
3h14
